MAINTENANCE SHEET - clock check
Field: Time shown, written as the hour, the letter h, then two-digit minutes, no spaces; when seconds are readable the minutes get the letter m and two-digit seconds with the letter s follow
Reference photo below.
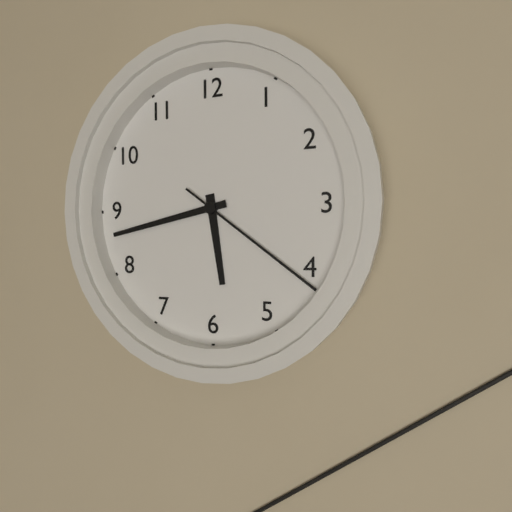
5h43m21s
